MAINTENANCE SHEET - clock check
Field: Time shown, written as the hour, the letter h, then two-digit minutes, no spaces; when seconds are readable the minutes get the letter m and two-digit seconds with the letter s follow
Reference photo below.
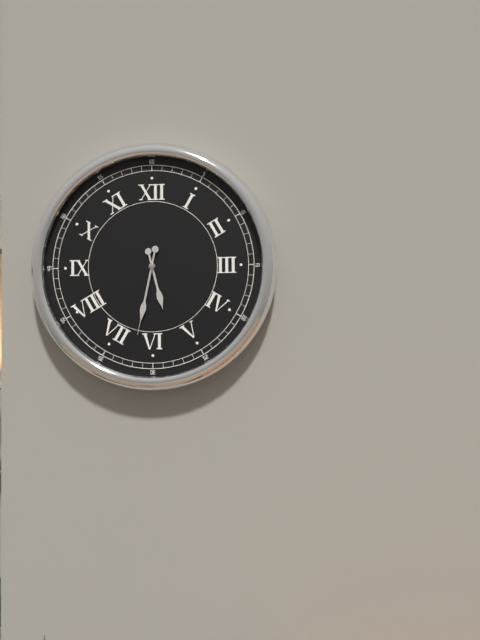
5h32m32s
